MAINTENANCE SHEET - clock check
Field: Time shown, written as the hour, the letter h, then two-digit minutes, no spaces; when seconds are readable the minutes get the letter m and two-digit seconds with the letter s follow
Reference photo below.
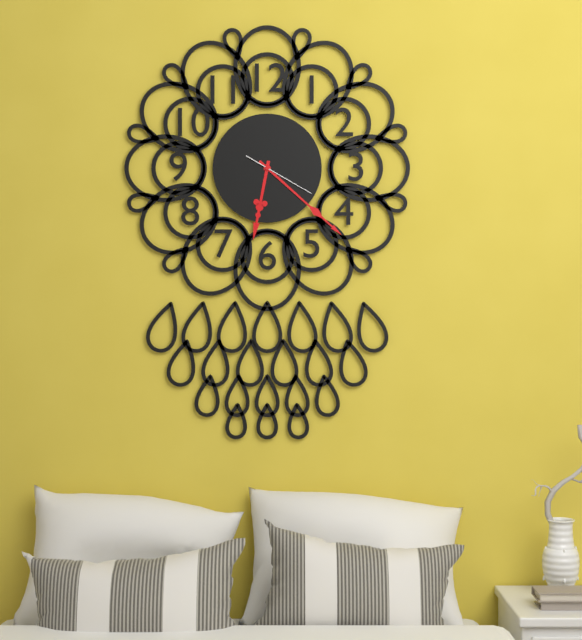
6h22m20s
